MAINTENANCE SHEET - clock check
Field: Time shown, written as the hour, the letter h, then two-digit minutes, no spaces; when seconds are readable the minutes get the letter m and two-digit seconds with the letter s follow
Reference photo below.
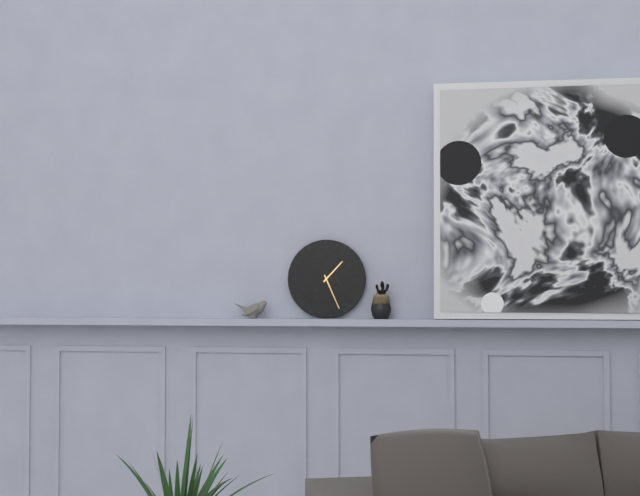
1h26
